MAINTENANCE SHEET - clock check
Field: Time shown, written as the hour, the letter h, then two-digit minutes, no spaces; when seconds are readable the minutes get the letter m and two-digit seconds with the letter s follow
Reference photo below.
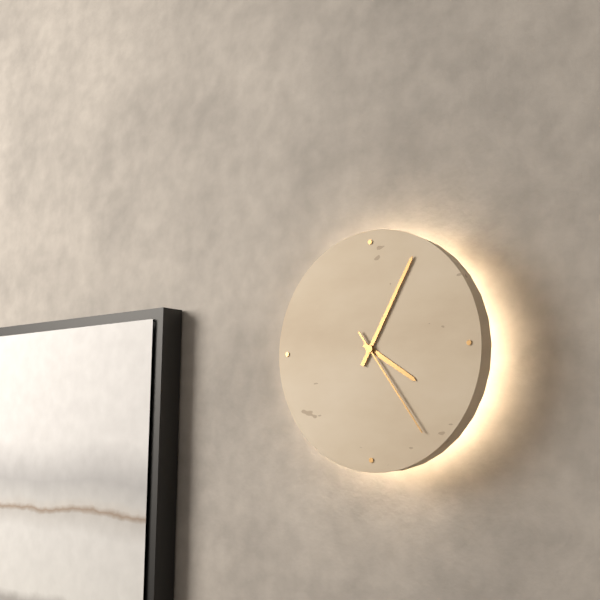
4h05m24s
